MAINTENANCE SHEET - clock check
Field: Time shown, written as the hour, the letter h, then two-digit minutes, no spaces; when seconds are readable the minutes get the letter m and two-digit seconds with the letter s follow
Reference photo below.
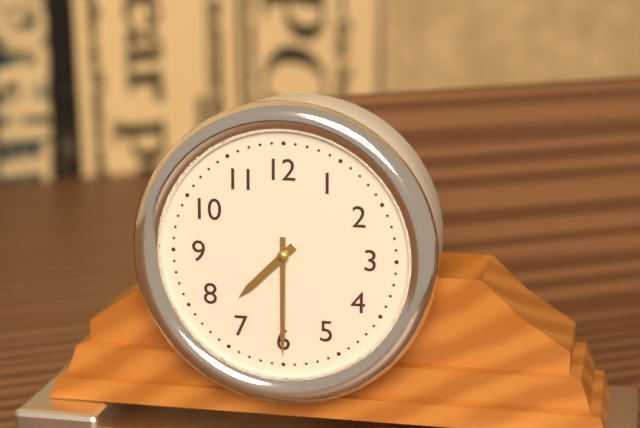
7h30
